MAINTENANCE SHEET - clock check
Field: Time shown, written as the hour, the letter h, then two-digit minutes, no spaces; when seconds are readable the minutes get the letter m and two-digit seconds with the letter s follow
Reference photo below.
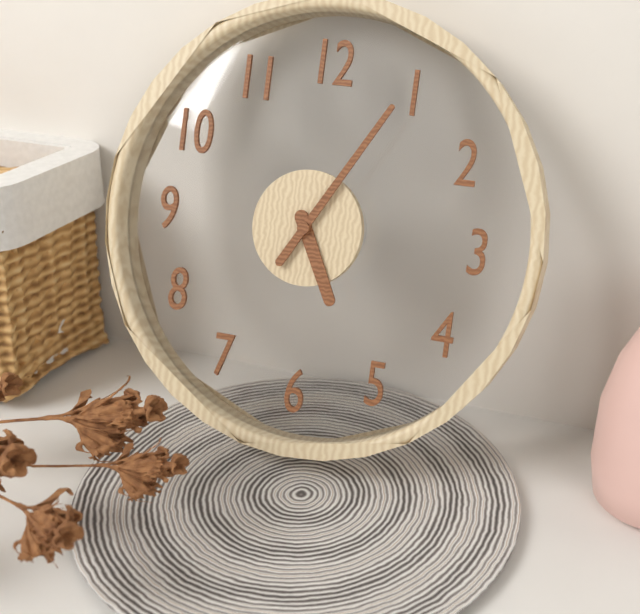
5h05
